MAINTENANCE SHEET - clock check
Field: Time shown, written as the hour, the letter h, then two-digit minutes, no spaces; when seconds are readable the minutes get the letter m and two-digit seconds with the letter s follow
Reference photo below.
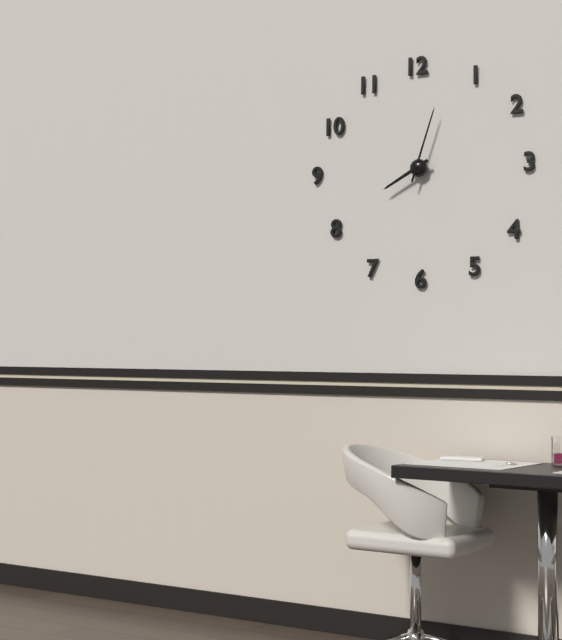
8h03
